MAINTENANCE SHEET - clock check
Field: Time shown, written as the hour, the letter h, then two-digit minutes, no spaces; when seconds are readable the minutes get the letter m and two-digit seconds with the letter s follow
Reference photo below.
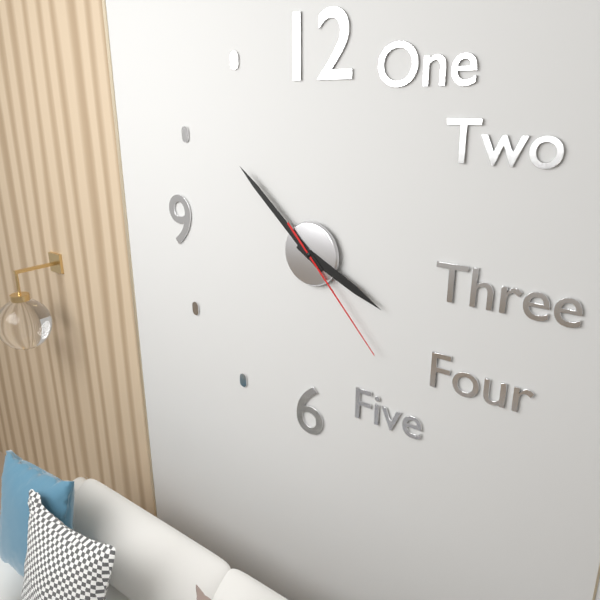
3h52m23s
